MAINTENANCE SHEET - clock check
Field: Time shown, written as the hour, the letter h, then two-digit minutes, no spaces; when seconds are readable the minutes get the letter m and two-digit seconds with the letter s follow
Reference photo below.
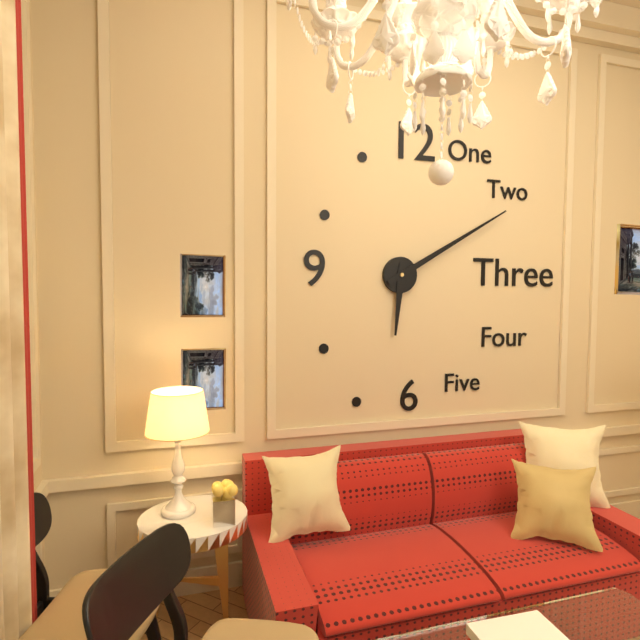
6h10
